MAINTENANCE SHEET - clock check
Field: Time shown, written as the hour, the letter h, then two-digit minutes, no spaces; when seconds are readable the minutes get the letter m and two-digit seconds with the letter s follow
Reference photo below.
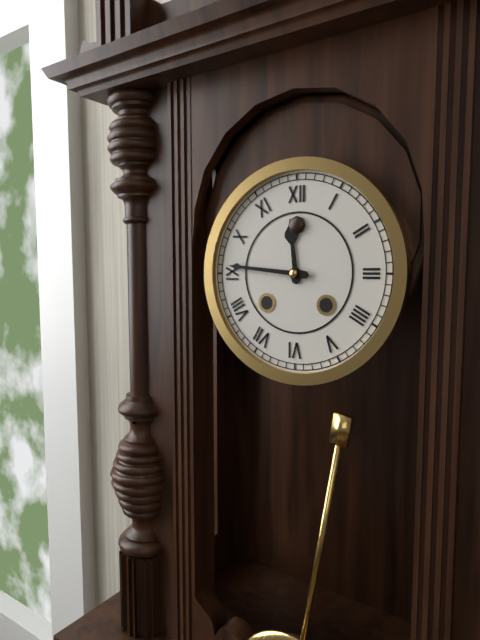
11h46
